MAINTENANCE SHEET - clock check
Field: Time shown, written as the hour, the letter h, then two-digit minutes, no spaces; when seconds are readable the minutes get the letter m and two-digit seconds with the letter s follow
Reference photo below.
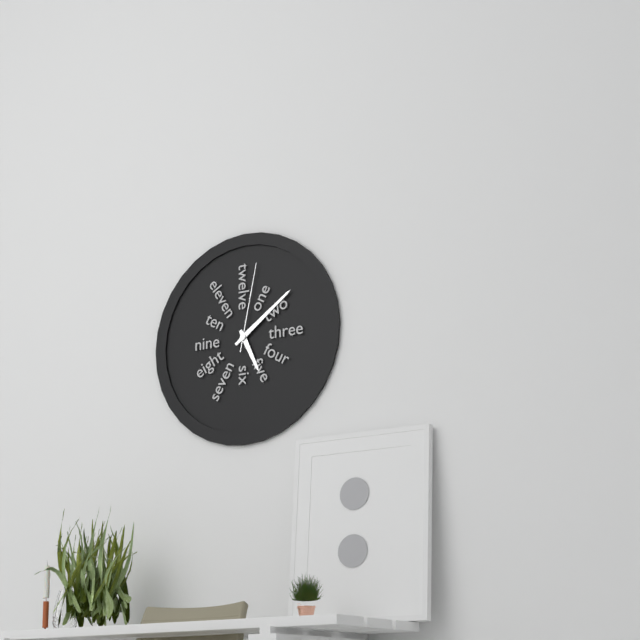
5h09m02s
